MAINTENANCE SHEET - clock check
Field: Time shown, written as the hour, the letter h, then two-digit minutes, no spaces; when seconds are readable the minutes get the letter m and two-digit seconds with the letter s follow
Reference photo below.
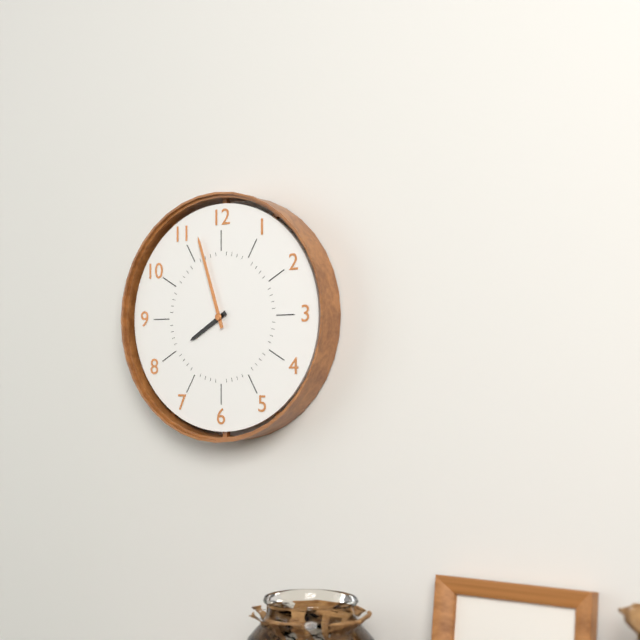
7h57
